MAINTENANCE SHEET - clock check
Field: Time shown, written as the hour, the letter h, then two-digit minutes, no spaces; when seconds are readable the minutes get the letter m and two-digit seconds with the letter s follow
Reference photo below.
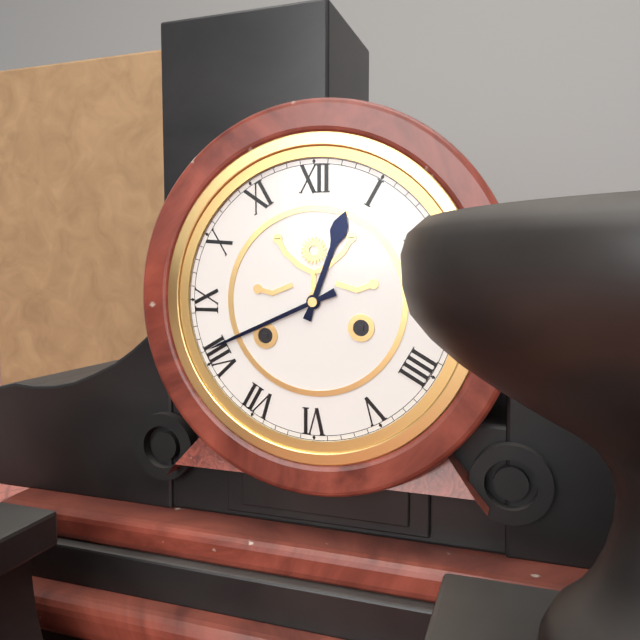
12h41
